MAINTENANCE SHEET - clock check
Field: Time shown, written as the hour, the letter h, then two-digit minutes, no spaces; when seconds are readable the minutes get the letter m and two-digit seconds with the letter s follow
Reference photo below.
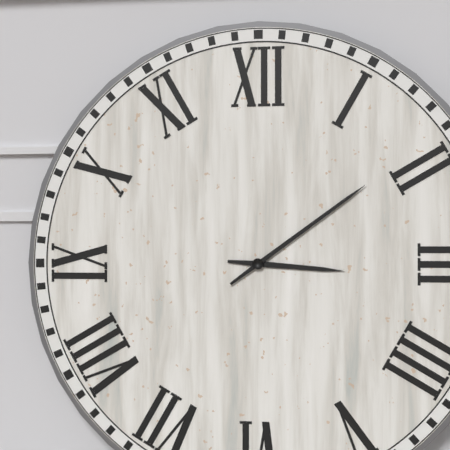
3h09
